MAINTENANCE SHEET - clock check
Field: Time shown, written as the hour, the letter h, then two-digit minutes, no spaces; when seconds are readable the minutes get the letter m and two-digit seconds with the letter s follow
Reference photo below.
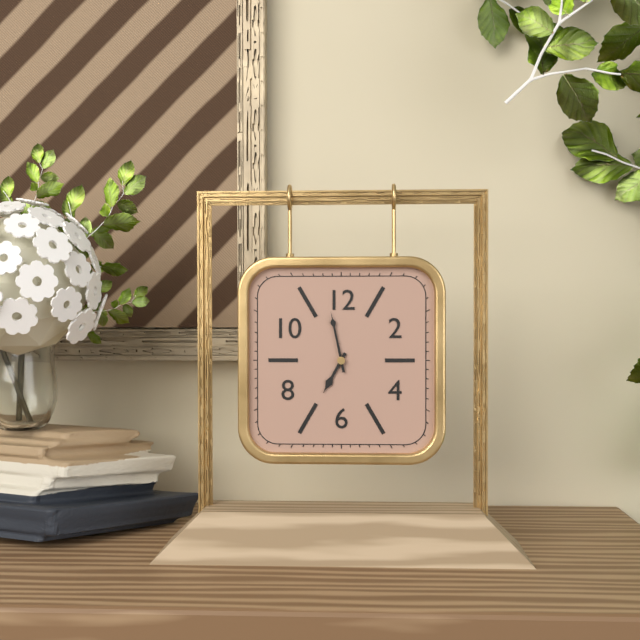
6h58
